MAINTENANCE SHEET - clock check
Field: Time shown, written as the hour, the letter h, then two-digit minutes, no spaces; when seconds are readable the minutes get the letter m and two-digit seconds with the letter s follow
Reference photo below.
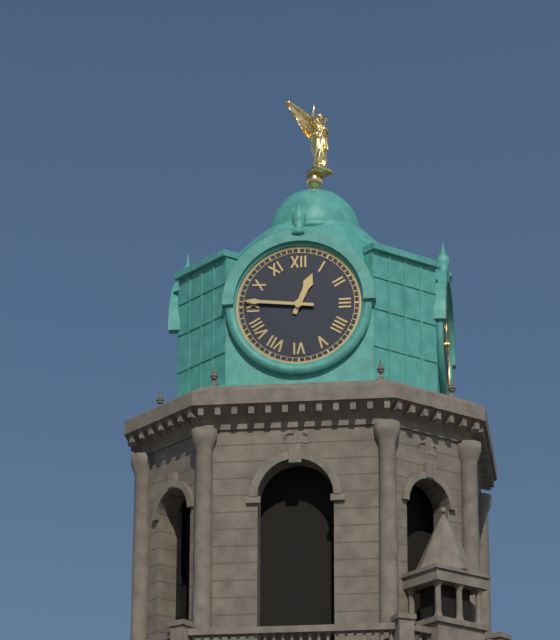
12h46
